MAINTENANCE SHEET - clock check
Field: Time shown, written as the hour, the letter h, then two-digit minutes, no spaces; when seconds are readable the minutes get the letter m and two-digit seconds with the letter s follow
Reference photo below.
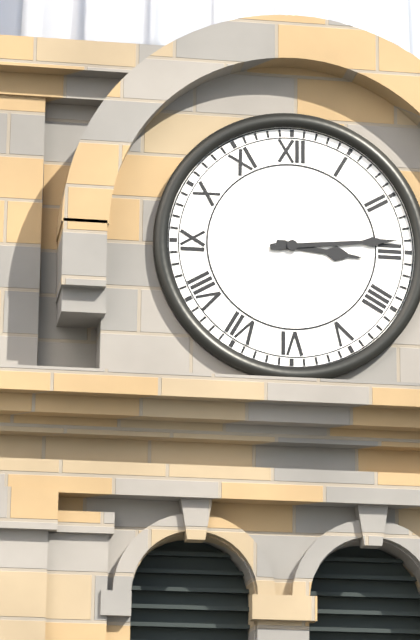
3h14
